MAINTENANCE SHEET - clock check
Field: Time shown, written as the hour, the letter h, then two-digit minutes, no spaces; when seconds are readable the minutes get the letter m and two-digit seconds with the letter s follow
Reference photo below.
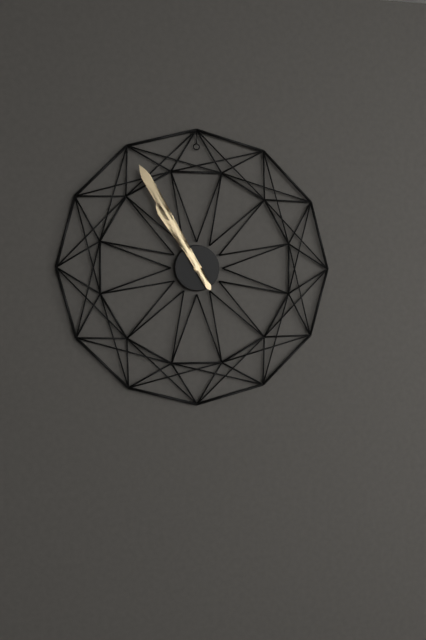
10h55
